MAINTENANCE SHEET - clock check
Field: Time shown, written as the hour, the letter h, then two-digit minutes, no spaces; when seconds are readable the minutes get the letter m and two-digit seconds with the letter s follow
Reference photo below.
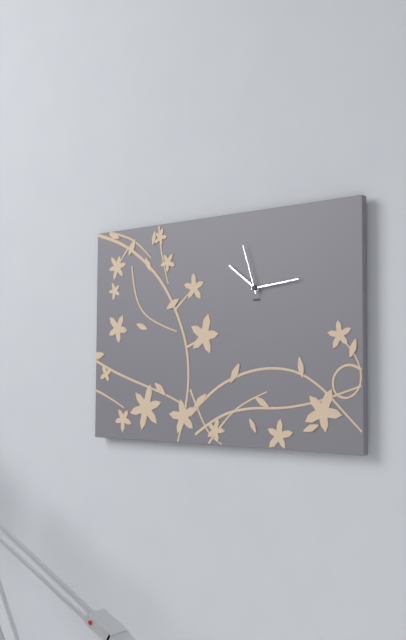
10h14m57s
